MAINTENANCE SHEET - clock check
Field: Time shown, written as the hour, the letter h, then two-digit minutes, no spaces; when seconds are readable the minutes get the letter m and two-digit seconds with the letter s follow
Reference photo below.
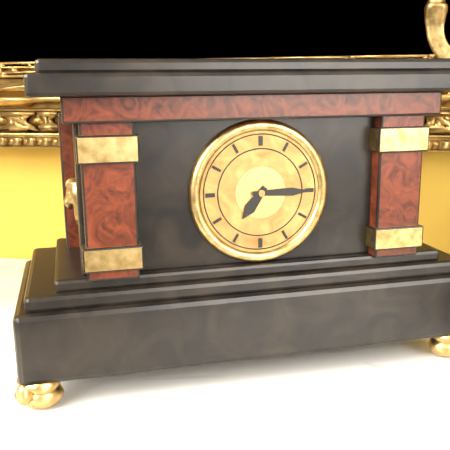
7h15
